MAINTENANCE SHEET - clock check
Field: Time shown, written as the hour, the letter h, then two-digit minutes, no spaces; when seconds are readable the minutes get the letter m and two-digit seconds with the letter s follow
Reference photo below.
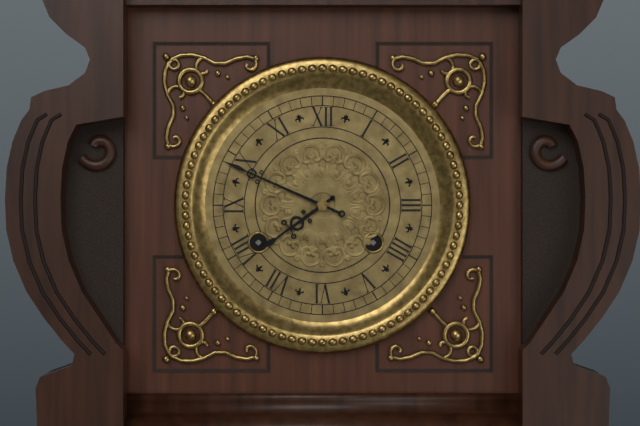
7h49
